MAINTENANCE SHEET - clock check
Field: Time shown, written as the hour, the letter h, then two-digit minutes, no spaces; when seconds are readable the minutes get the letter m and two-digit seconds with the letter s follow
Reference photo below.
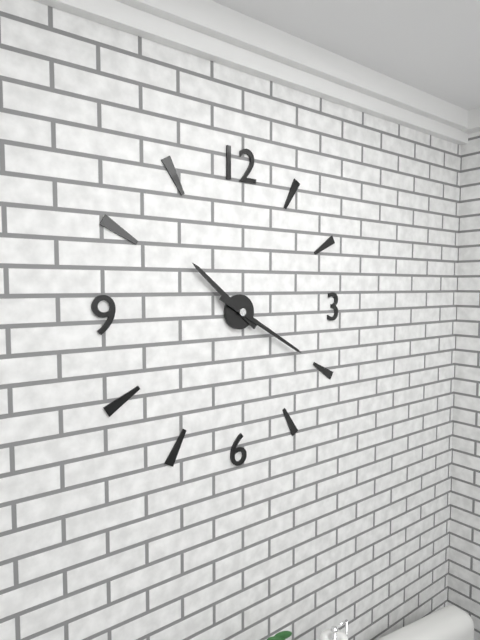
10h20
